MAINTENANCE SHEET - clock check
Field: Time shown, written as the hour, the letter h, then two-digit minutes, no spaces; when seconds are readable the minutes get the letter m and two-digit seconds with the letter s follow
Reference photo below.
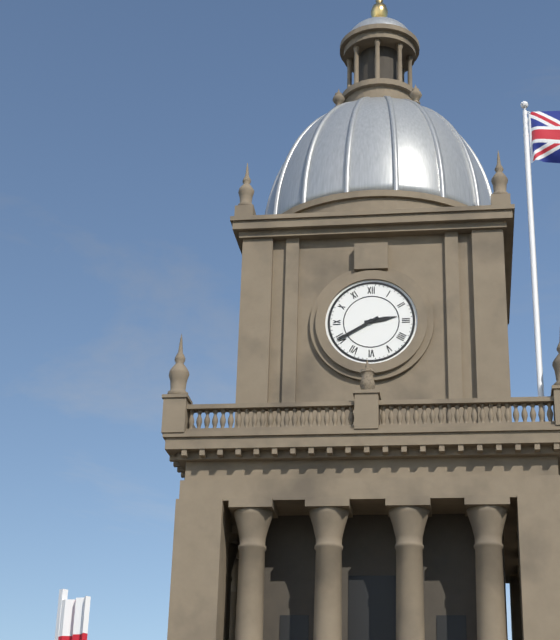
2h40
